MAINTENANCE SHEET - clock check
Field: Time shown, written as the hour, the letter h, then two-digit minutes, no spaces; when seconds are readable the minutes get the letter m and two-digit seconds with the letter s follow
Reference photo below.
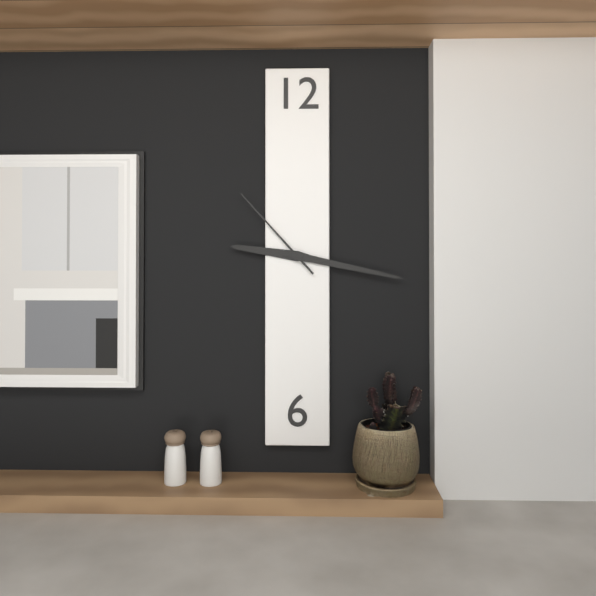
9h17m53s
